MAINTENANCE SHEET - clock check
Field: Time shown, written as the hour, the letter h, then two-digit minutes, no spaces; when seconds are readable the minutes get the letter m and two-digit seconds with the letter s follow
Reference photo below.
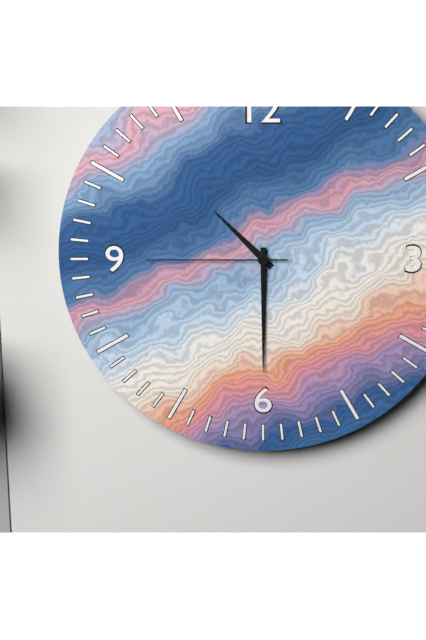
10h30m45s
